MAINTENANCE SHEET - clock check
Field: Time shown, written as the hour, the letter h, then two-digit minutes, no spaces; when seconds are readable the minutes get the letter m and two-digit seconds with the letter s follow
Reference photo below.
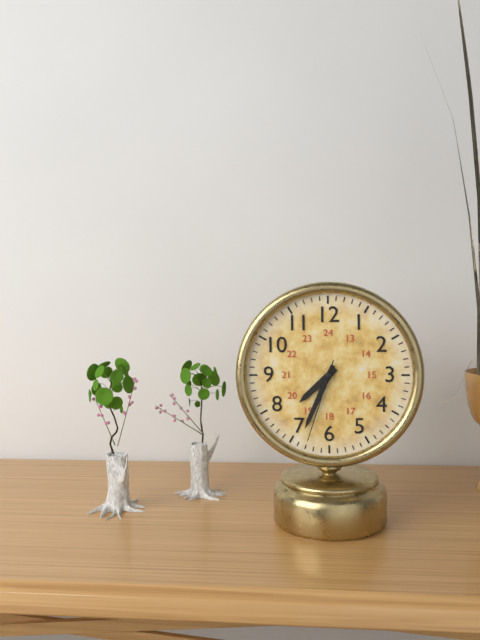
7h34m33s
